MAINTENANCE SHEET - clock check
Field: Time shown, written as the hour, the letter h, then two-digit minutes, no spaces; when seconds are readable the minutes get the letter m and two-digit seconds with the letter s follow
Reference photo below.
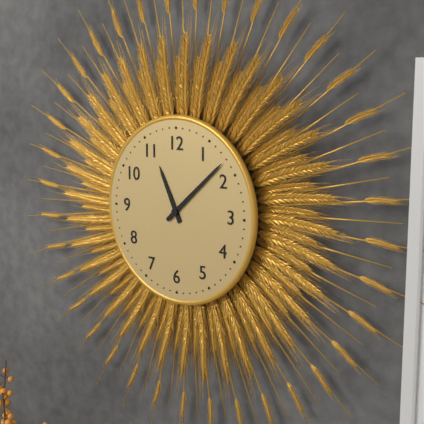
11h08
